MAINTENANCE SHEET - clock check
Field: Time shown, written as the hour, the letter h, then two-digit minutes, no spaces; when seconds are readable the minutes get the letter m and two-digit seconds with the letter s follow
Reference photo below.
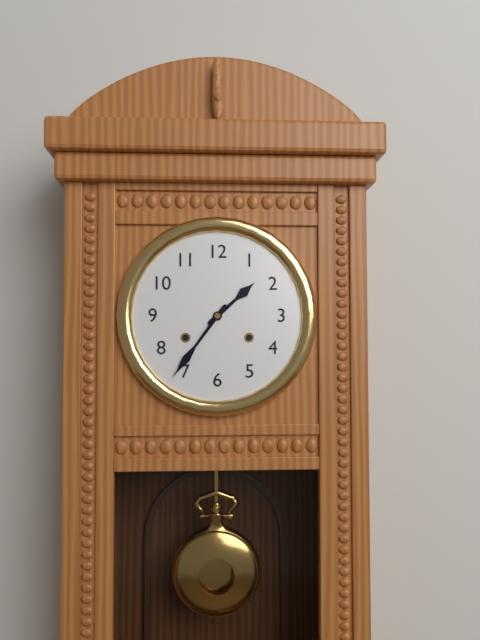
1h36
